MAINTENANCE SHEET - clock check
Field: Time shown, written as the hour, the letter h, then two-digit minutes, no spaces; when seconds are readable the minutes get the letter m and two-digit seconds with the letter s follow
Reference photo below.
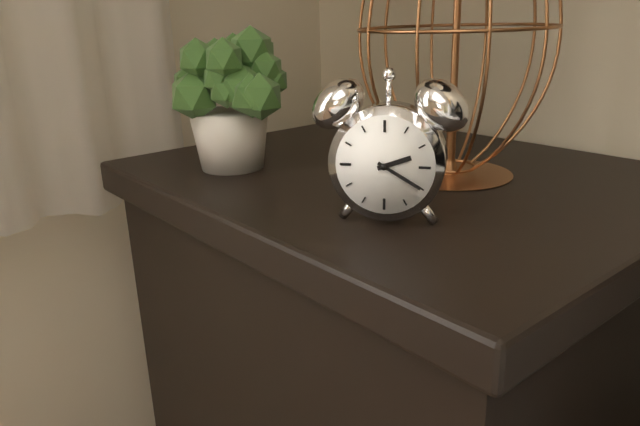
2h20
